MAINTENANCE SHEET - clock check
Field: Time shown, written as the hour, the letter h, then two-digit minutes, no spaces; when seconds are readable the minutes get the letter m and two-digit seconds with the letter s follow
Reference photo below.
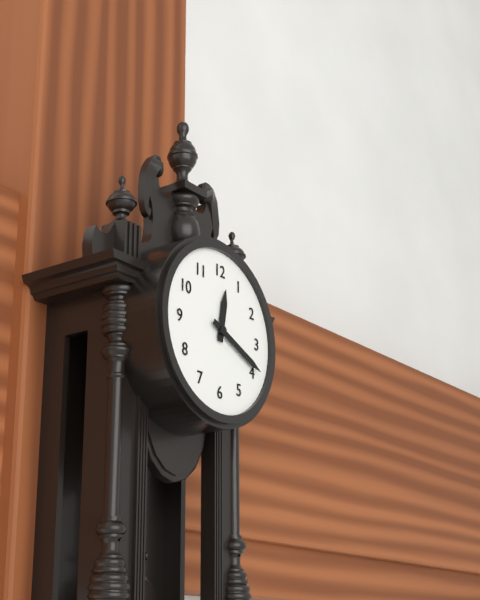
12h19
